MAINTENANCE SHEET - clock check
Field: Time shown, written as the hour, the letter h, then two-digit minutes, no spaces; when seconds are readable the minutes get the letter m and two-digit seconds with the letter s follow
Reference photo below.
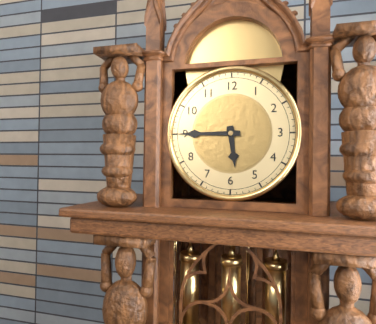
5h45
